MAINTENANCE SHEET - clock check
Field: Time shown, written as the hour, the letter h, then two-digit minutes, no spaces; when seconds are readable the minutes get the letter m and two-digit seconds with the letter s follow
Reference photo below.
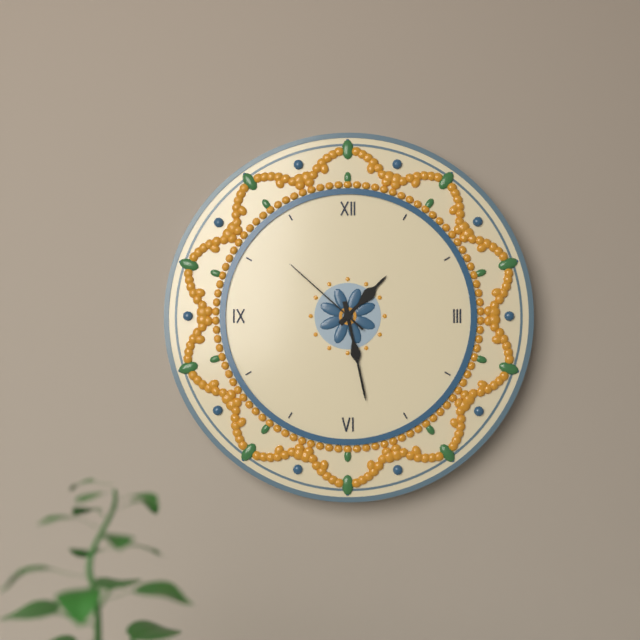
1h28m52s
